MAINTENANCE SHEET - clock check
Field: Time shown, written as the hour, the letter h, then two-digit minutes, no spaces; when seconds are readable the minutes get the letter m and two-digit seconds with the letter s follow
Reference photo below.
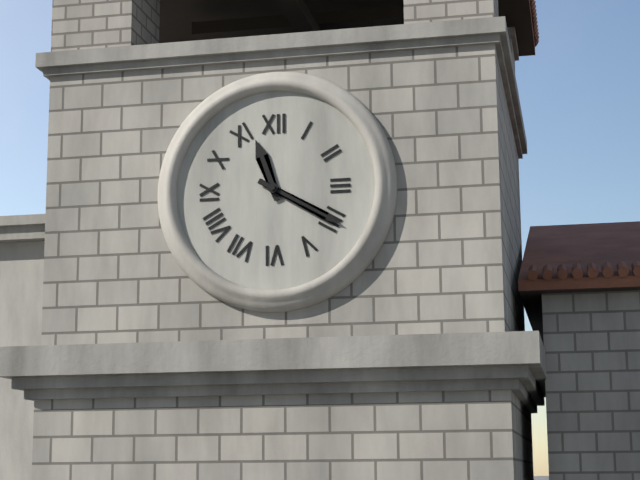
11h20
